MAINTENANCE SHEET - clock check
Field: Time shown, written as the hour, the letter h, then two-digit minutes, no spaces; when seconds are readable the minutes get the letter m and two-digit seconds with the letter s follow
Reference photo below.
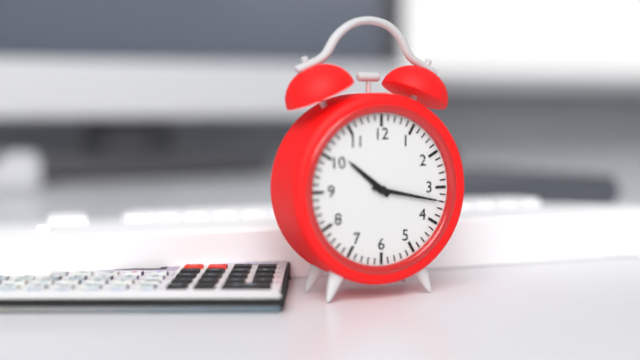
10h17
